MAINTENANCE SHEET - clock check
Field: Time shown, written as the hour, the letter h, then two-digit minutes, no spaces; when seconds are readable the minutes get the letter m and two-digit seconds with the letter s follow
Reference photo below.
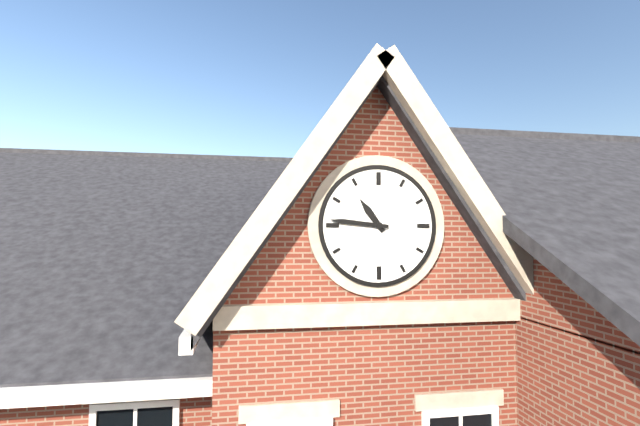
10h46
